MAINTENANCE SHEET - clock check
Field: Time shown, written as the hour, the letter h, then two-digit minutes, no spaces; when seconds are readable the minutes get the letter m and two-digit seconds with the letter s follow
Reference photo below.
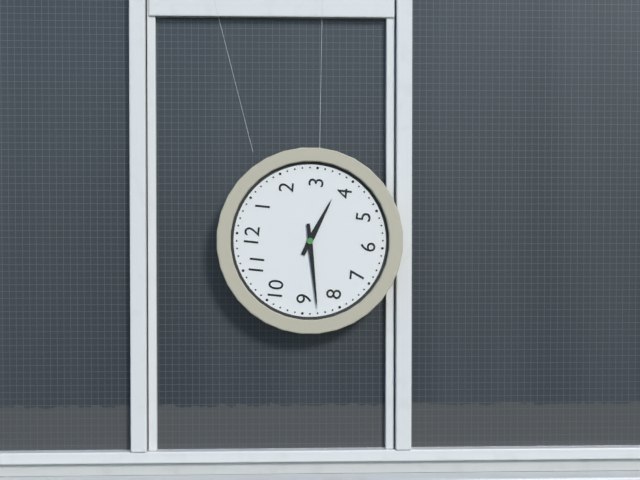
3h43
